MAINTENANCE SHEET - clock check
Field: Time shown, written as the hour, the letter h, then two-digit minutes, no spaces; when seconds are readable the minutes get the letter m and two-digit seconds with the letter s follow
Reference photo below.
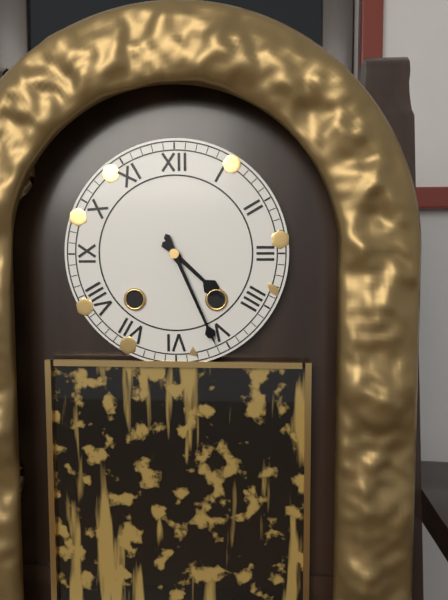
4h26
